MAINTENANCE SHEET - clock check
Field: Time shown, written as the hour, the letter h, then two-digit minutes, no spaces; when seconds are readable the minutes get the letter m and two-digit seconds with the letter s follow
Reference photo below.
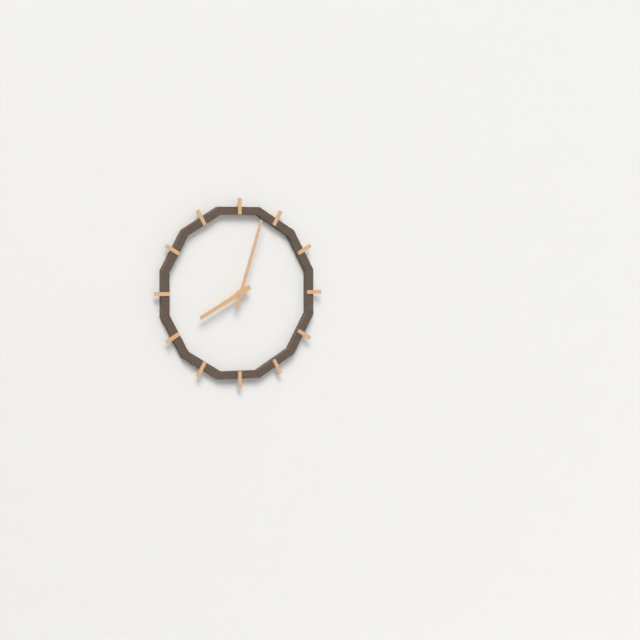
8h03
